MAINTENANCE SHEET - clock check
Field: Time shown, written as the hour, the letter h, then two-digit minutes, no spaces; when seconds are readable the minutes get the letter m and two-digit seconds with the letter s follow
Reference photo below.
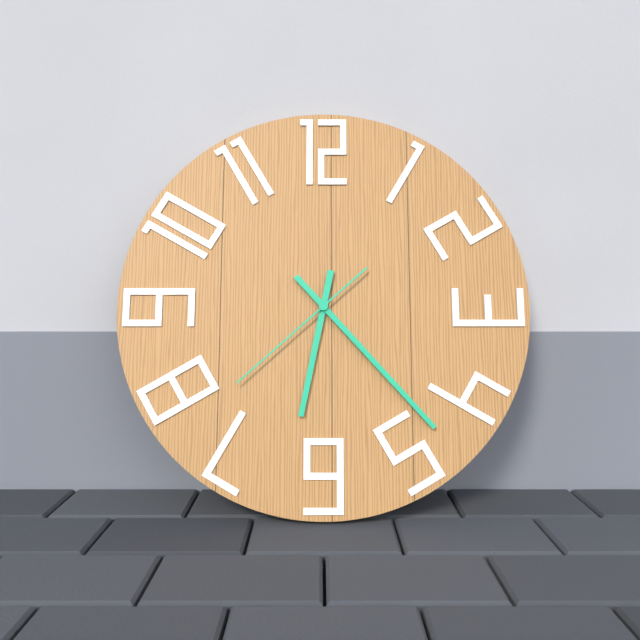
6h23m38s
